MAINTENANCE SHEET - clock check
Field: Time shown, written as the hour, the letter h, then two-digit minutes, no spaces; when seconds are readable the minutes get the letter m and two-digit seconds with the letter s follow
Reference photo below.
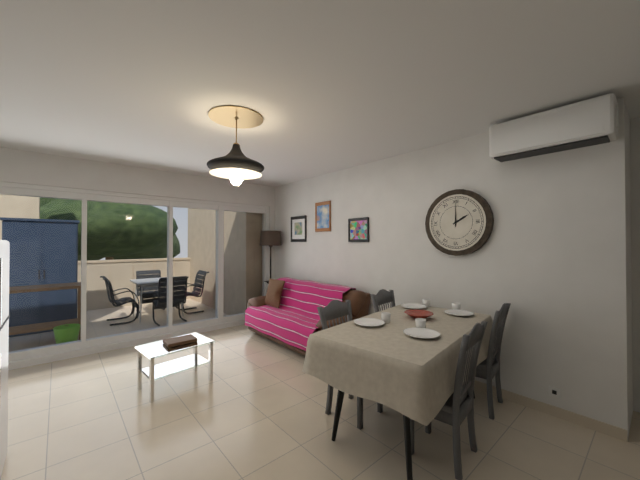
2h00
